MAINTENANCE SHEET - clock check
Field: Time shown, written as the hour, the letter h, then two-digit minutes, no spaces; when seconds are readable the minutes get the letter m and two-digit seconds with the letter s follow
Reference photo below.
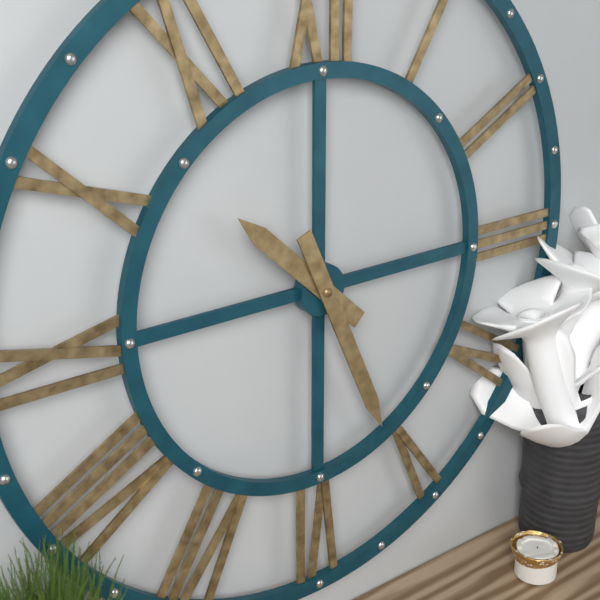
10h26
